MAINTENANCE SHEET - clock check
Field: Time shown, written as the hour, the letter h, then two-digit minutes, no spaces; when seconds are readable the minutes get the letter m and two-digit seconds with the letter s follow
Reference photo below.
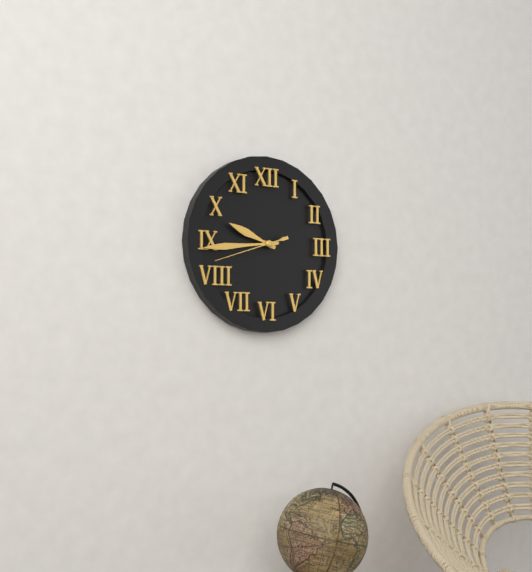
9h44m42s
